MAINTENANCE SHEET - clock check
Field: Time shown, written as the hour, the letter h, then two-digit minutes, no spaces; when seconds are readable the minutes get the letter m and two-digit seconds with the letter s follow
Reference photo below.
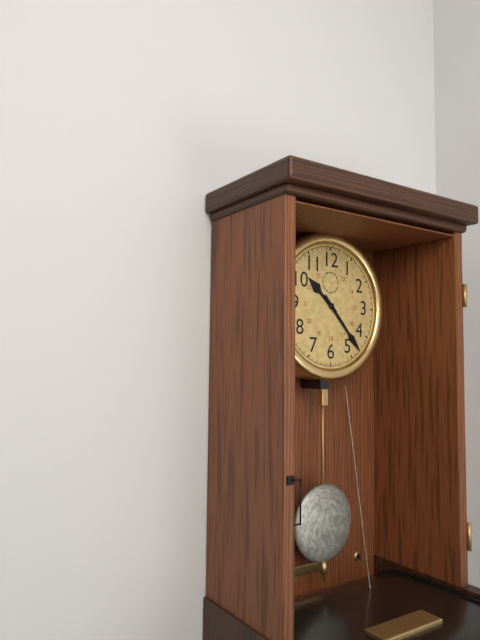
10h23
